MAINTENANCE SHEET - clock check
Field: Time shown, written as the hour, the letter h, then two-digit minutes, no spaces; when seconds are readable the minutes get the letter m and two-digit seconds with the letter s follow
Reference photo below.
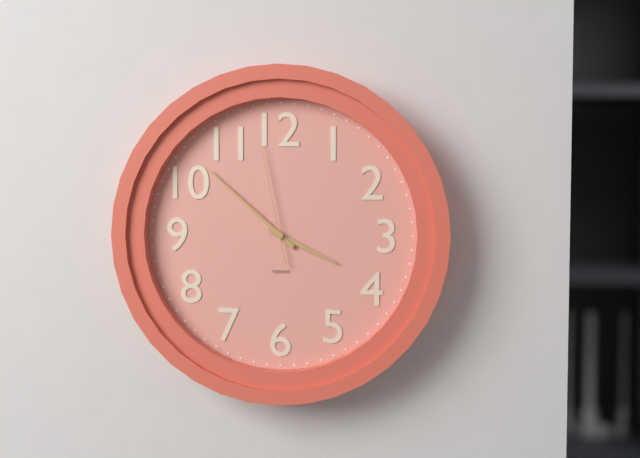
3h52m58s
